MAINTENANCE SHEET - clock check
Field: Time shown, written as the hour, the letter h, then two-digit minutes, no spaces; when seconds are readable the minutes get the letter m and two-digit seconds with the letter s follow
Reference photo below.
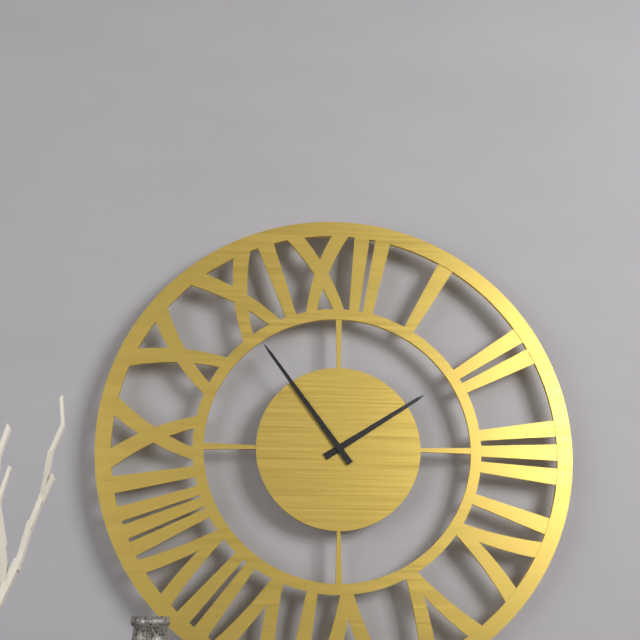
1h54
